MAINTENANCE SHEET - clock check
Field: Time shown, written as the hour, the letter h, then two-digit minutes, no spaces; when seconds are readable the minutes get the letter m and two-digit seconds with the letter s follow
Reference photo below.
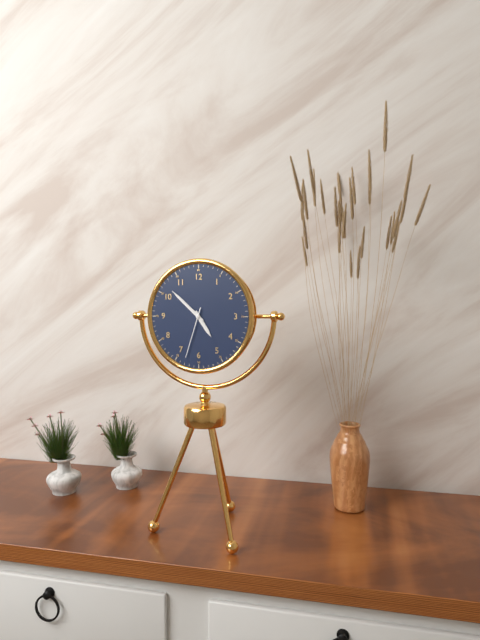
4h52m33s
